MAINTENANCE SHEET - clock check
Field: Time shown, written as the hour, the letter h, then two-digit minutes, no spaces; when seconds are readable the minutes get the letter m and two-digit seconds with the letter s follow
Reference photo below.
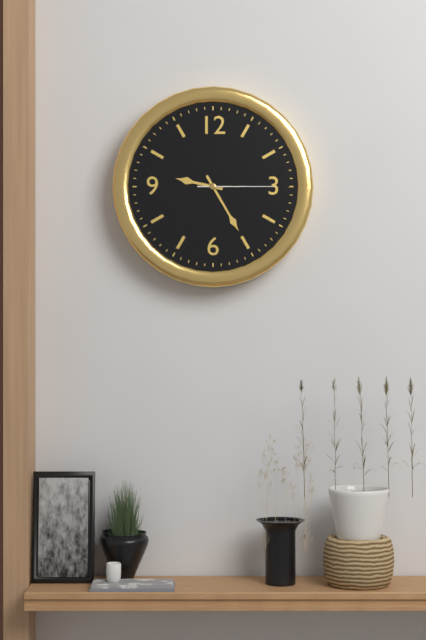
9h25m15s
